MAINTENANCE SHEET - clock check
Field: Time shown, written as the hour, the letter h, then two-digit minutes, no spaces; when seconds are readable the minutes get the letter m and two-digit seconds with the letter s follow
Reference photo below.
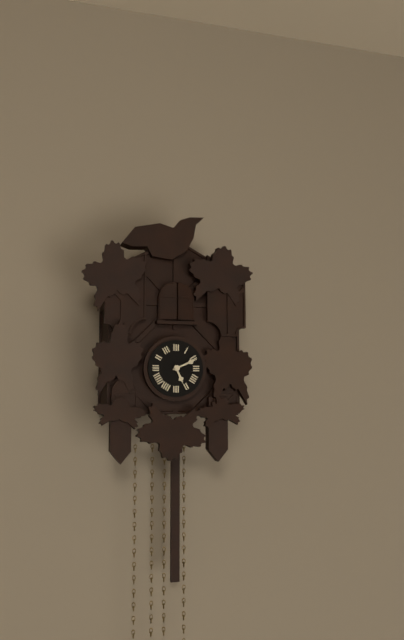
5h11
